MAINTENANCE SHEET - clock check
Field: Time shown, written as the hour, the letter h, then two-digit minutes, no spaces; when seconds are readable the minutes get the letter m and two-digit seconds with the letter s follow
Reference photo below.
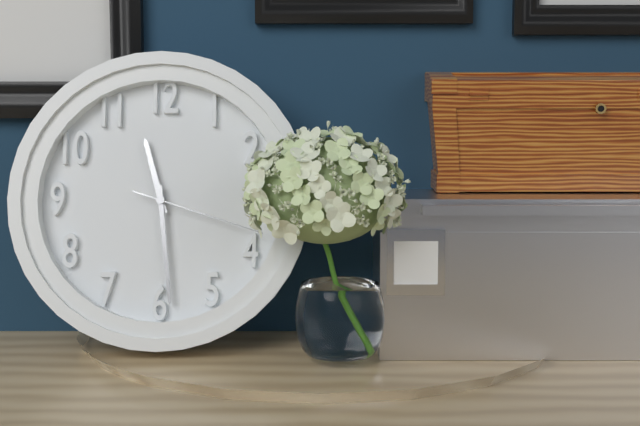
11h29m18s
